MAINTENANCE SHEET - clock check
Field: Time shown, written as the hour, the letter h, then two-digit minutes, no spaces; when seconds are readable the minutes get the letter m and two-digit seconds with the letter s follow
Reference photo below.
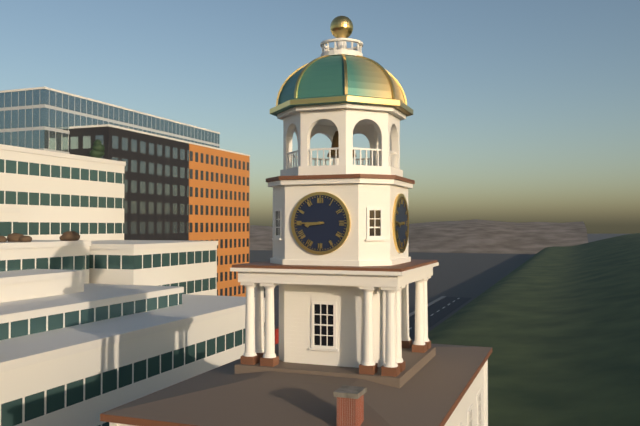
8h45
